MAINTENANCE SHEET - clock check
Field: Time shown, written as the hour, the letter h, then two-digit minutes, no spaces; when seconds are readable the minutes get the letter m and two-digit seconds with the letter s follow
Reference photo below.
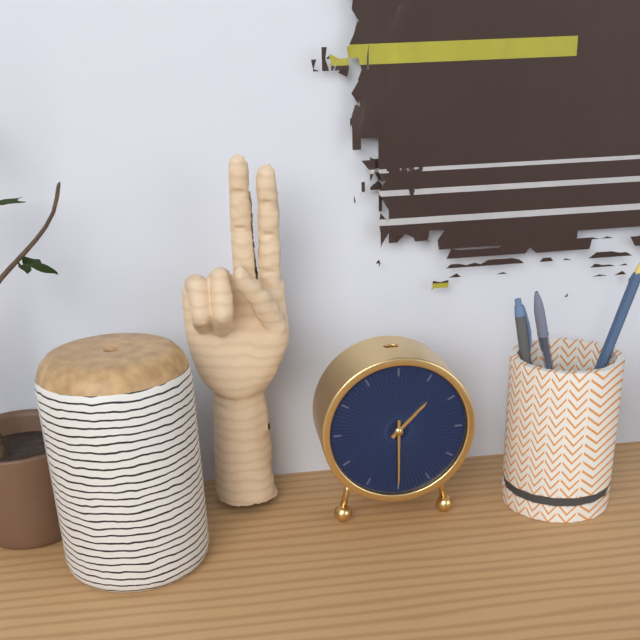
1h30
